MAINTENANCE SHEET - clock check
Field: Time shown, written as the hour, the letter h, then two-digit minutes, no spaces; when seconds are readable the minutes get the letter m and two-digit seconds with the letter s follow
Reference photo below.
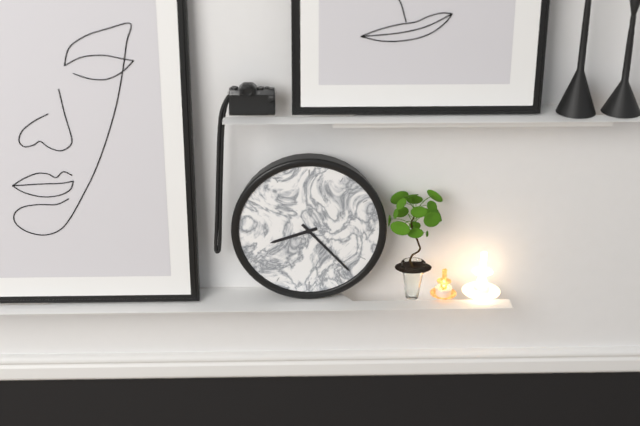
8h23
